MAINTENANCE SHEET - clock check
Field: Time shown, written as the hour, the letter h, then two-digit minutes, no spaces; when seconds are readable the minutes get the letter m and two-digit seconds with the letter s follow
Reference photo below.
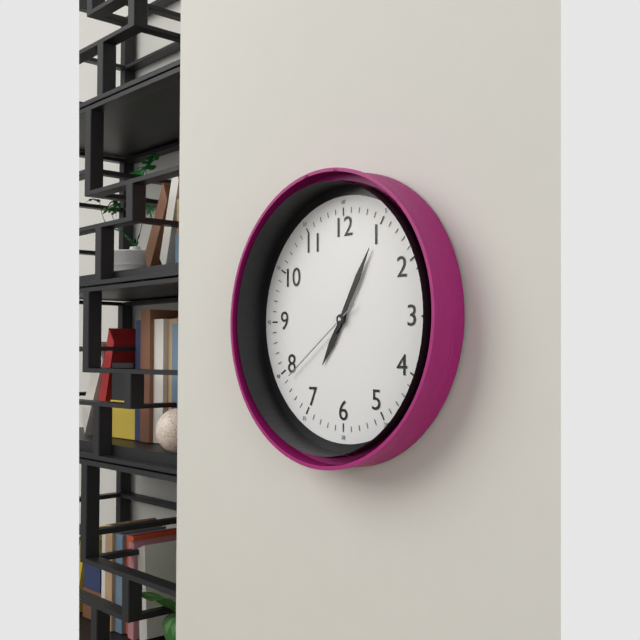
7h05m39s
